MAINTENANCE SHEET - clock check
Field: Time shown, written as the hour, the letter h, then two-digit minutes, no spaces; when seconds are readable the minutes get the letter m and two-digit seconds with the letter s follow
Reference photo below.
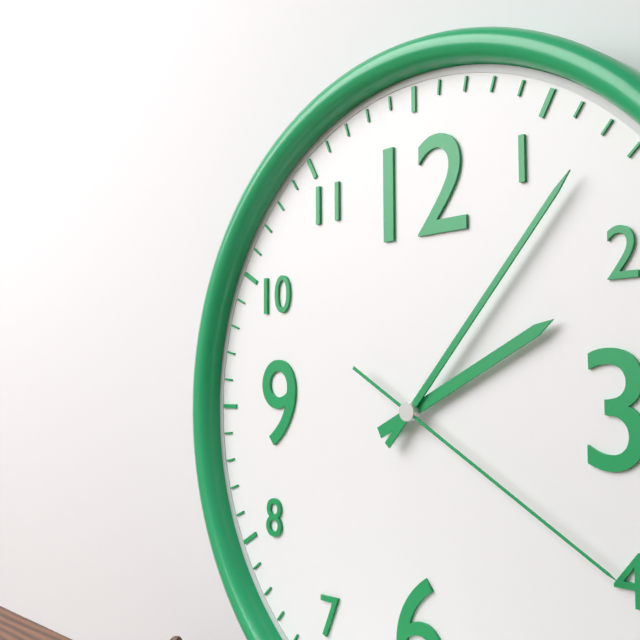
2h07m20s
